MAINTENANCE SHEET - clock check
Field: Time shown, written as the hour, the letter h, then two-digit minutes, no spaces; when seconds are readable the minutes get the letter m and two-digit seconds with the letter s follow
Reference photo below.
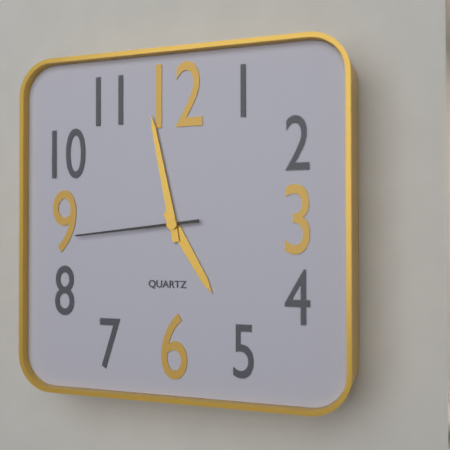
4h58m44s
